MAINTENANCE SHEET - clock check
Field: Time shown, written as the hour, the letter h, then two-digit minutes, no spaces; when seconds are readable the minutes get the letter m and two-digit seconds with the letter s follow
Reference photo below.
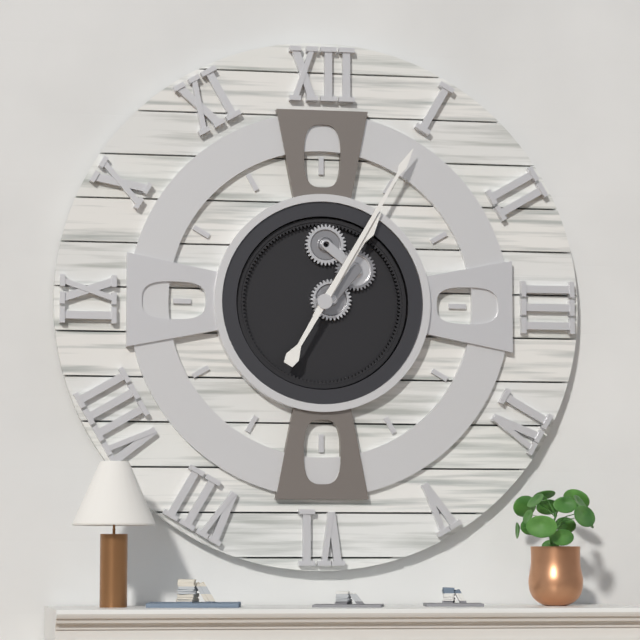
1h05
